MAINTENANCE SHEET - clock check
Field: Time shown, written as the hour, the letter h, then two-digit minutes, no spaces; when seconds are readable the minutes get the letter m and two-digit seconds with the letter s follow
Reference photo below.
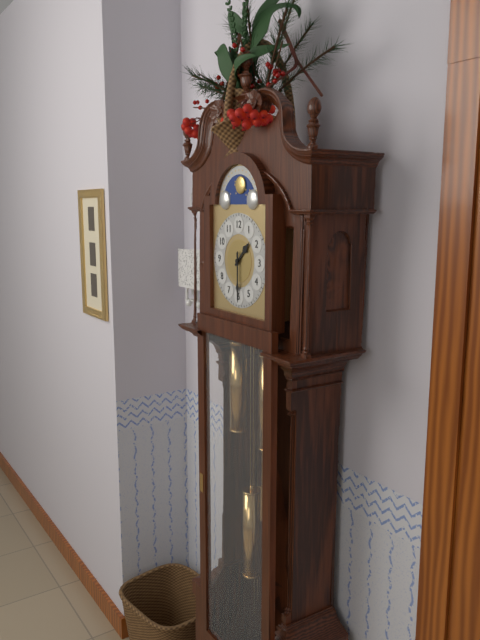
1h30
